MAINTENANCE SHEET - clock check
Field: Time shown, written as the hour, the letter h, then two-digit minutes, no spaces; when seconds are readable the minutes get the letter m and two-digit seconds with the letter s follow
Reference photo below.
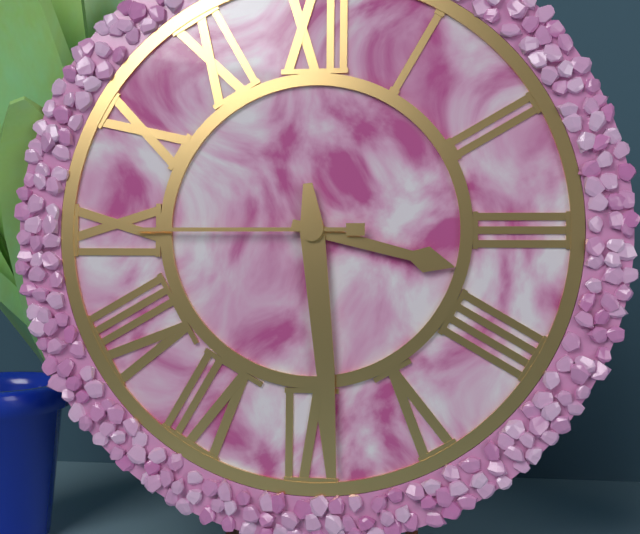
3h29m45s
